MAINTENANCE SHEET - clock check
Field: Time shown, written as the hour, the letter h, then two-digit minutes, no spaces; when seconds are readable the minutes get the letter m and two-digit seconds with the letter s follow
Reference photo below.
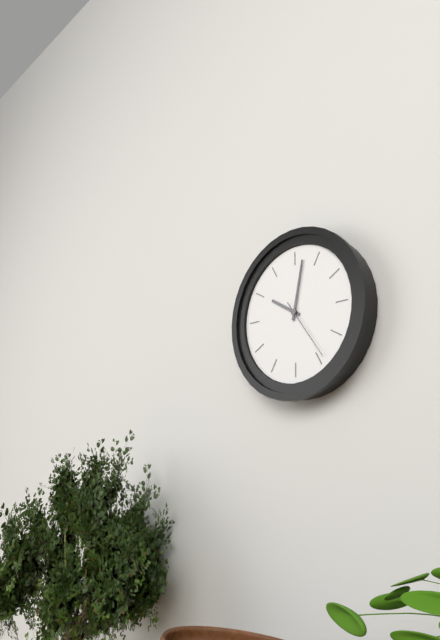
10h02m24s
